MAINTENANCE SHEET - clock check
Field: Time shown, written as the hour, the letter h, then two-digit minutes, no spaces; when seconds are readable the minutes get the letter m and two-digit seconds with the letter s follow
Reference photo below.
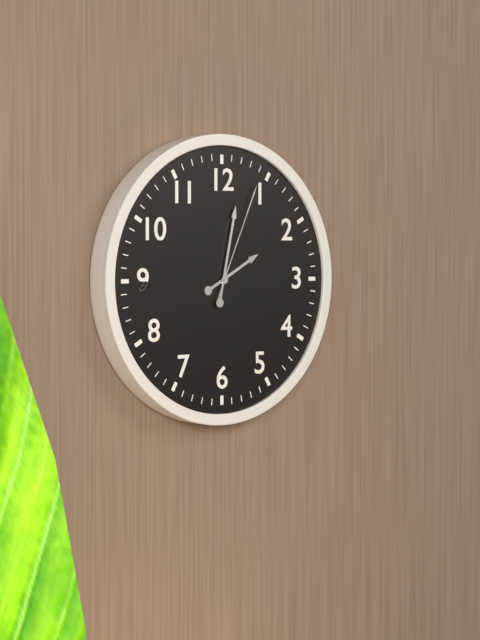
2h02m04s
